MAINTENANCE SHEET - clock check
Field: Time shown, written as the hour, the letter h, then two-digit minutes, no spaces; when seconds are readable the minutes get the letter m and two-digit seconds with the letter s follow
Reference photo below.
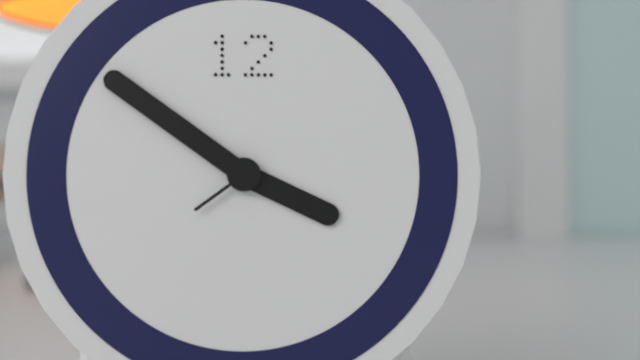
3h51m39s
